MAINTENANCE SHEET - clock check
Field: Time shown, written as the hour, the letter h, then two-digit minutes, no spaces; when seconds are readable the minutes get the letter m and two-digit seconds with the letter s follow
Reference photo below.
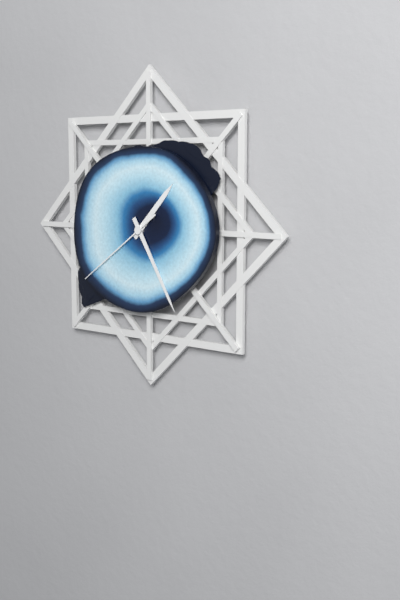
1h25m39s
